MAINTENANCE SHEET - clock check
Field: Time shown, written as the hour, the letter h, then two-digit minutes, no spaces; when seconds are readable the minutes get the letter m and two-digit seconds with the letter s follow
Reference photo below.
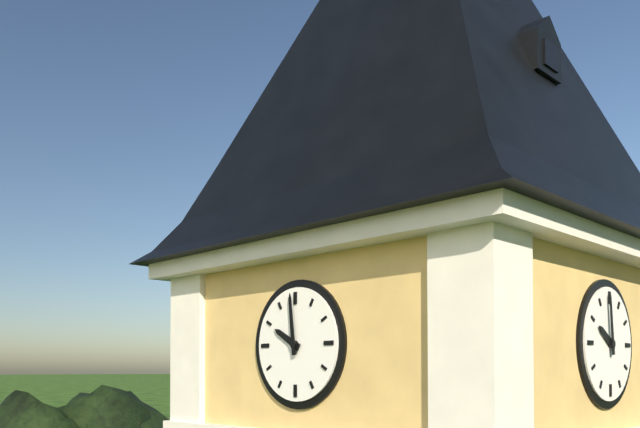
9h59
